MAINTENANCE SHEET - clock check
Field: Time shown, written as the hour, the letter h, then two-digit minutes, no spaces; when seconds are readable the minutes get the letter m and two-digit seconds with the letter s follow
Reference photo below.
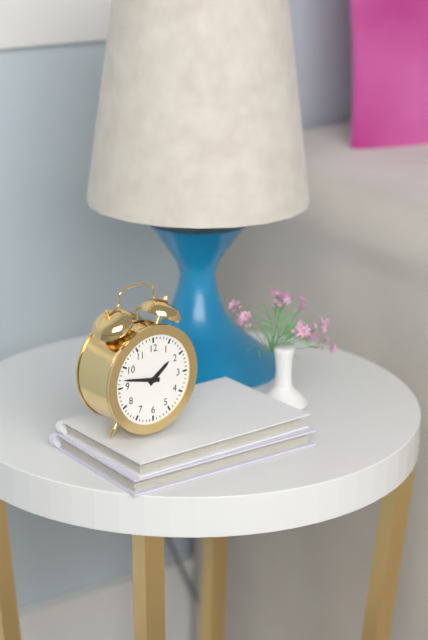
1h47
